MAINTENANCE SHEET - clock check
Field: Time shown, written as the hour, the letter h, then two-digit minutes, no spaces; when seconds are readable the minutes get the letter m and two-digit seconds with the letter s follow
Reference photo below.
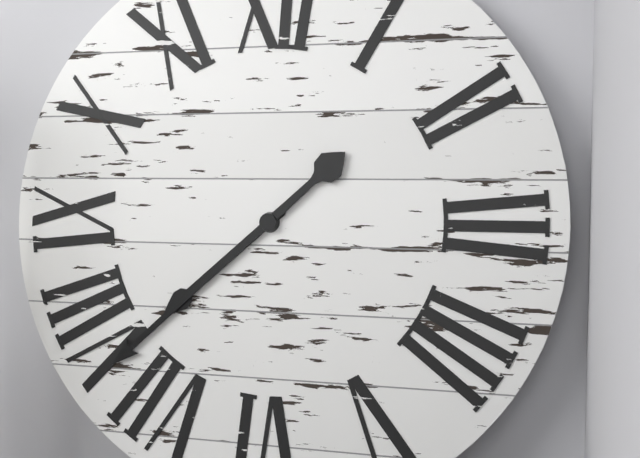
7h38
